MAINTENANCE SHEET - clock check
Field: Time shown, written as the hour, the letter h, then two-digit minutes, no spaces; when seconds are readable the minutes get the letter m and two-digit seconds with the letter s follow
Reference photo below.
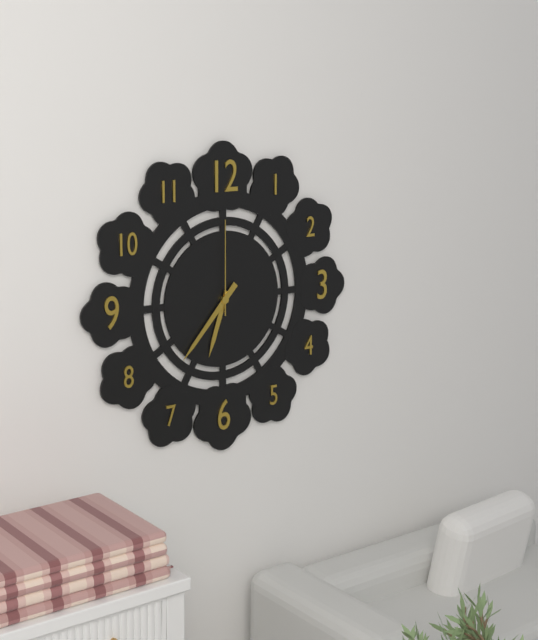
6h37m00s
